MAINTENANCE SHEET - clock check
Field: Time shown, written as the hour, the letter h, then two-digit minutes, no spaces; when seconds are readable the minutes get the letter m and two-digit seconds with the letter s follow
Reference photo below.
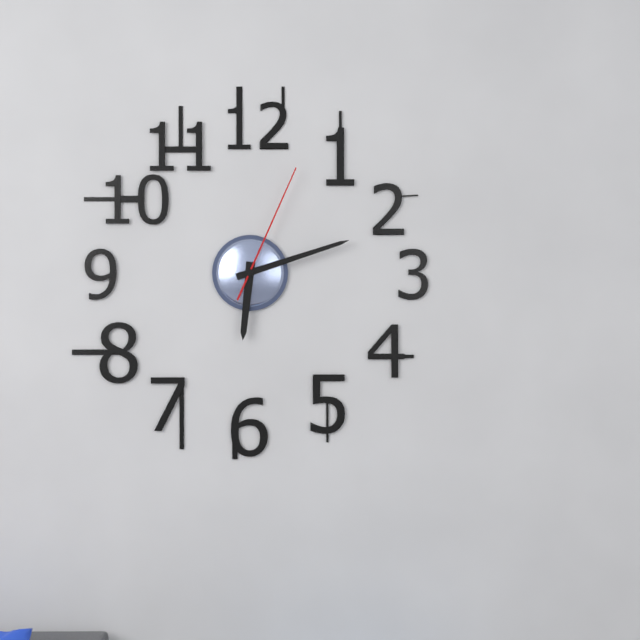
6h12m04s
